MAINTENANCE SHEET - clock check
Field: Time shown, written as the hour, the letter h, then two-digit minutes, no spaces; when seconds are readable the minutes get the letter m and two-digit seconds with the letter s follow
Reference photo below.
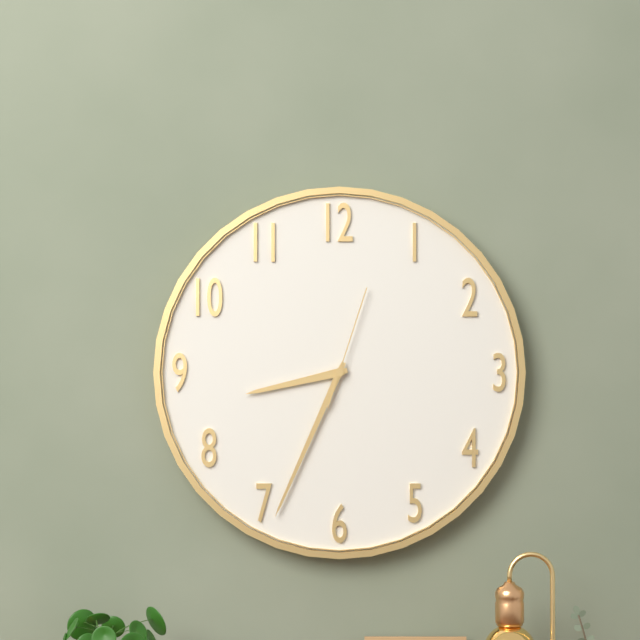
8h34m03s
